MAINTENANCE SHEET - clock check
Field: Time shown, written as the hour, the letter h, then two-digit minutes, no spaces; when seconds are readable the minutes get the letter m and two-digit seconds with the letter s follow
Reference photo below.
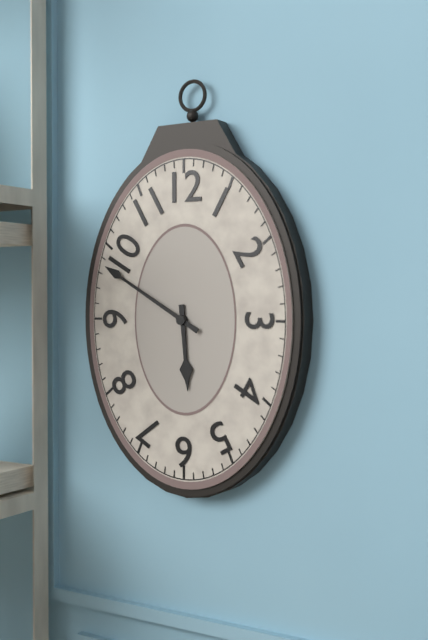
5h50
